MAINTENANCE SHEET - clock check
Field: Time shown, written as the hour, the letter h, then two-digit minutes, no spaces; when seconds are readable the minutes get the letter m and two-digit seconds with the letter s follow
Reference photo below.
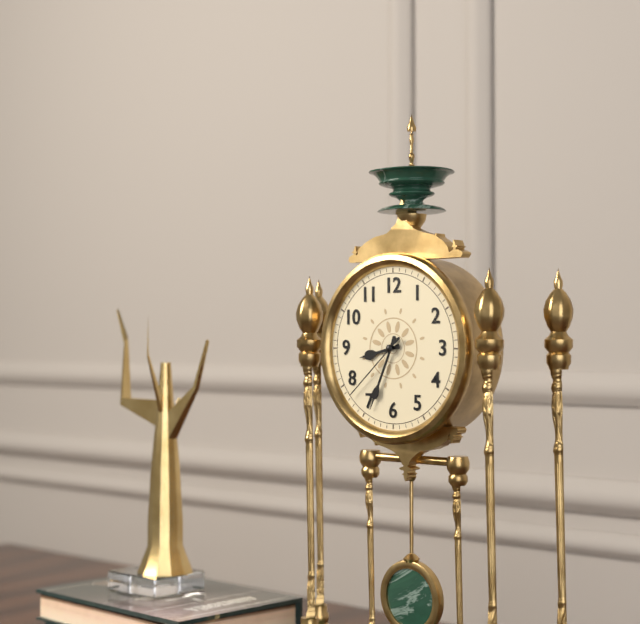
8h34m38s
